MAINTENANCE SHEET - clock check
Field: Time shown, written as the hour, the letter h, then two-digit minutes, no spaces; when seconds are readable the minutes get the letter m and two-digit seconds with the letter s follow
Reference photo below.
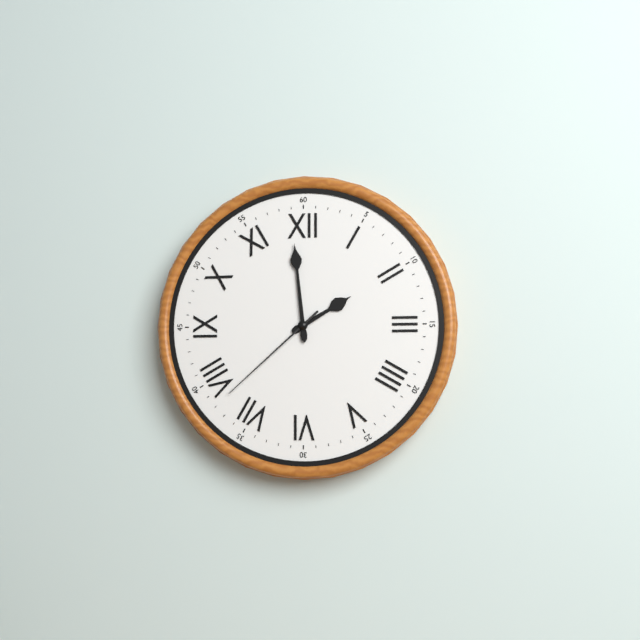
1h59m38s
